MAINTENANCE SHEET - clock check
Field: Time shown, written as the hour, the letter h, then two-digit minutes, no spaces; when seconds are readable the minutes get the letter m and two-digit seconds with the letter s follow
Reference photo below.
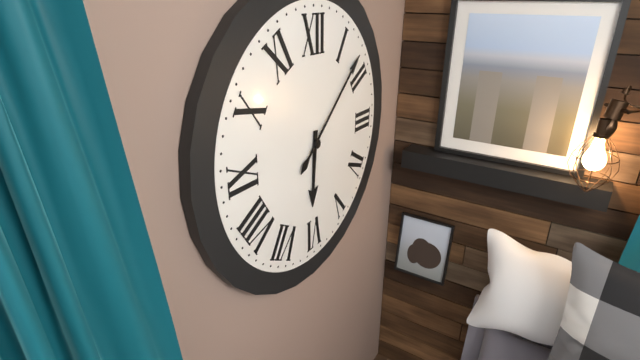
6h08
